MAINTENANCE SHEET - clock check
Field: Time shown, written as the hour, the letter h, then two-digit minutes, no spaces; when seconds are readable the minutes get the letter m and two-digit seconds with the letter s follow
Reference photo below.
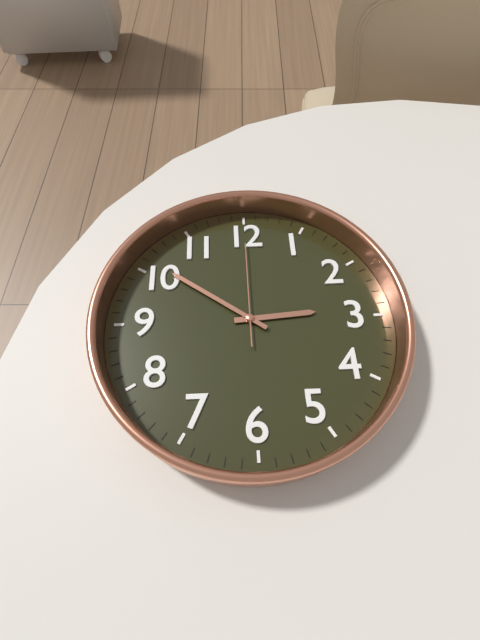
2h51m00s
